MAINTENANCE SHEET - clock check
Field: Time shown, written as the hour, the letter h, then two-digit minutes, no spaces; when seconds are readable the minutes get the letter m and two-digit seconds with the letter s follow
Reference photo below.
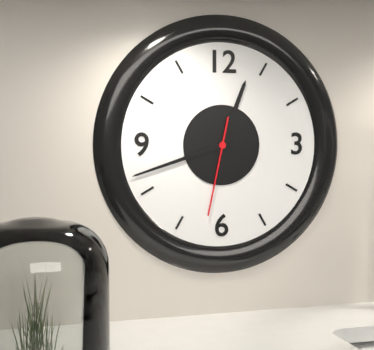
12h42m32s
